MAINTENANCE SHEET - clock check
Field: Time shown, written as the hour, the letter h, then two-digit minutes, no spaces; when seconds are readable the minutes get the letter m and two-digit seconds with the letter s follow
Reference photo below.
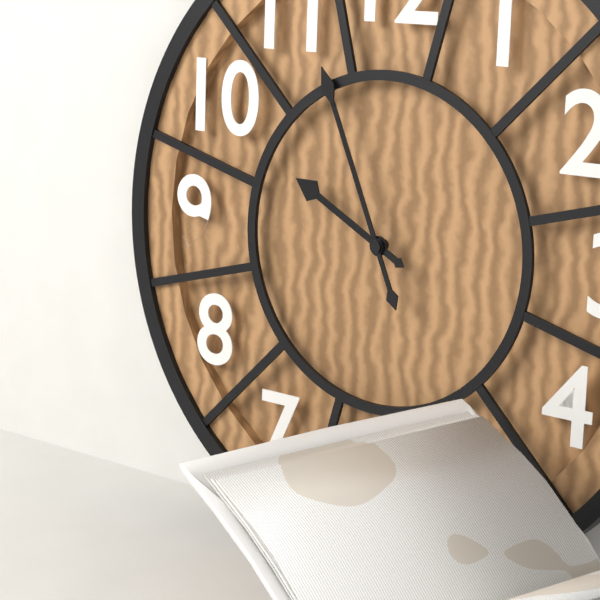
9h56
